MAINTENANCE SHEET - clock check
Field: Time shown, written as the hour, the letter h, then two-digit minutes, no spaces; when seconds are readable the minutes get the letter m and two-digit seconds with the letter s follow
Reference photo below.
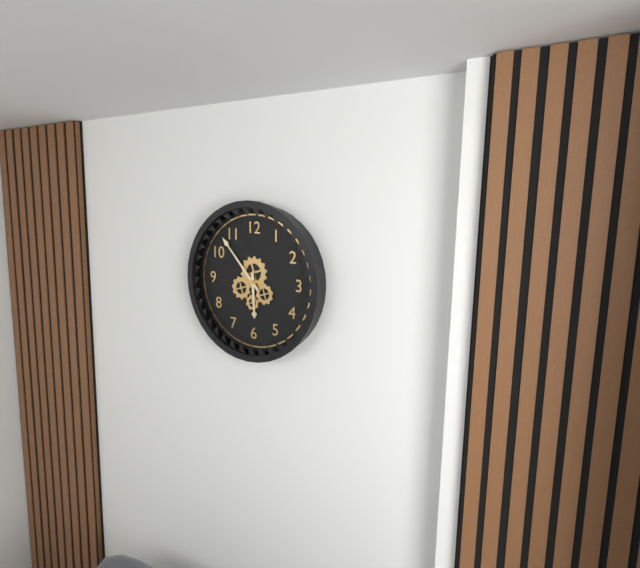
5h53
